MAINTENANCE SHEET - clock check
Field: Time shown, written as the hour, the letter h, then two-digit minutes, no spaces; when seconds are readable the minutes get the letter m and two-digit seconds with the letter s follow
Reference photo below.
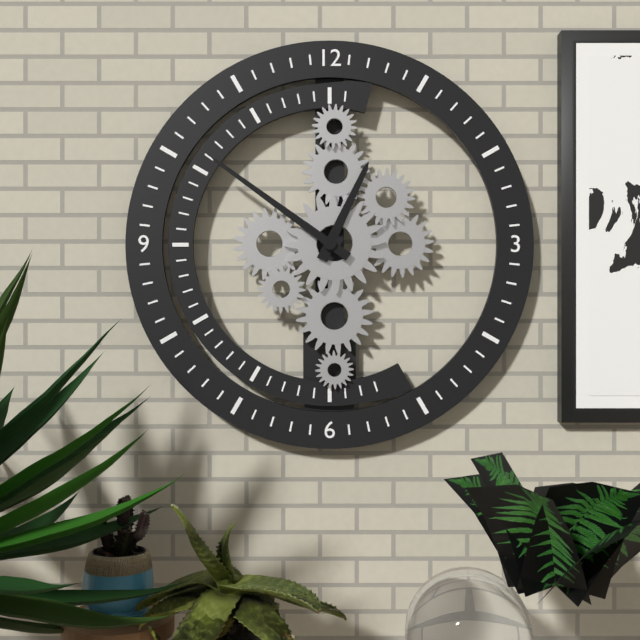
12h51
